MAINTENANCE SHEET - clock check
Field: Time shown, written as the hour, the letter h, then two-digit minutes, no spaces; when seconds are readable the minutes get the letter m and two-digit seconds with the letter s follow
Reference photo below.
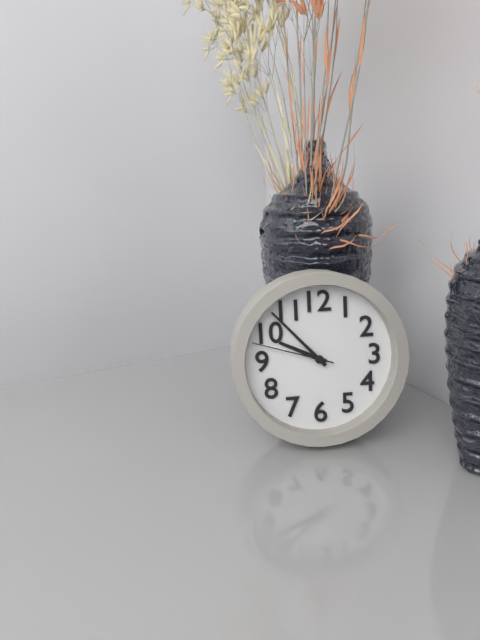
9h53m48s
